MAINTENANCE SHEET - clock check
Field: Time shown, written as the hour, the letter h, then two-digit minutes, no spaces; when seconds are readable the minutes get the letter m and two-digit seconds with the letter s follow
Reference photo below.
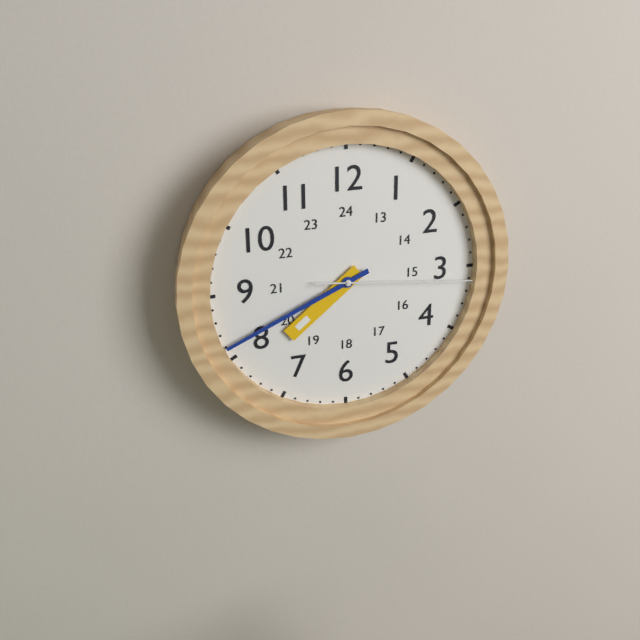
7h41m16s
